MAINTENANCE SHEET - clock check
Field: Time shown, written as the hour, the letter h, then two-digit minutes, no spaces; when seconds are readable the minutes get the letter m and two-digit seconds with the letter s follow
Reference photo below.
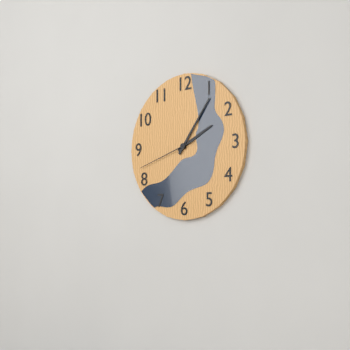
2h06m42s
